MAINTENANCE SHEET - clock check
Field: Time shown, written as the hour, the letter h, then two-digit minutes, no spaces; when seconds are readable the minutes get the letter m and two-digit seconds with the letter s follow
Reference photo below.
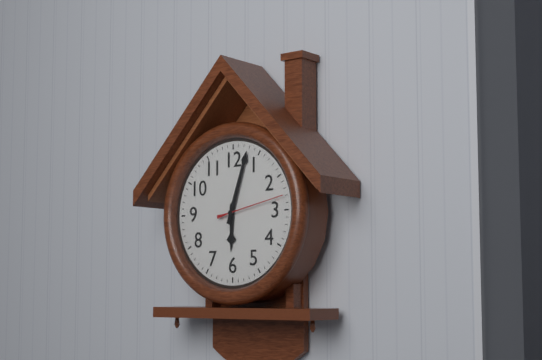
6h03
